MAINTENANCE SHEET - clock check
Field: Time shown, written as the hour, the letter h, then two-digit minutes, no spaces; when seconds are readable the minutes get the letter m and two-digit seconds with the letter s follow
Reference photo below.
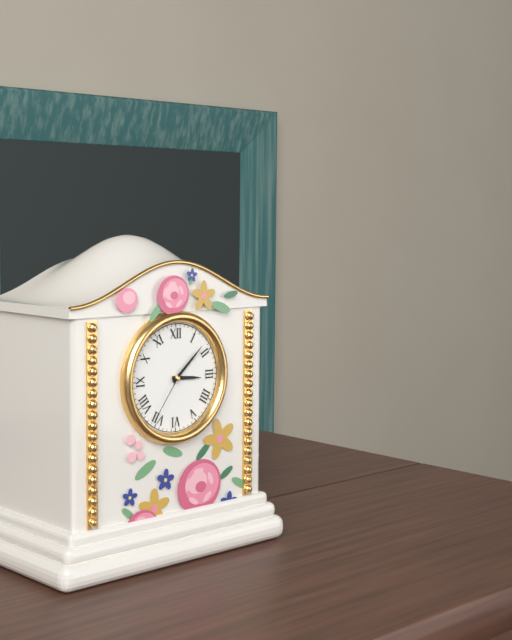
3h08m36s
